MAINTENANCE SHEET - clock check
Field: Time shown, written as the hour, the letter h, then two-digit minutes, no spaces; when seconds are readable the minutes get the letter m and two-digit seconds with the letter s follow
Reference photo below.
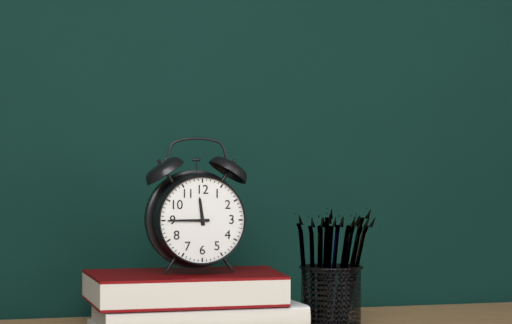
11h45
